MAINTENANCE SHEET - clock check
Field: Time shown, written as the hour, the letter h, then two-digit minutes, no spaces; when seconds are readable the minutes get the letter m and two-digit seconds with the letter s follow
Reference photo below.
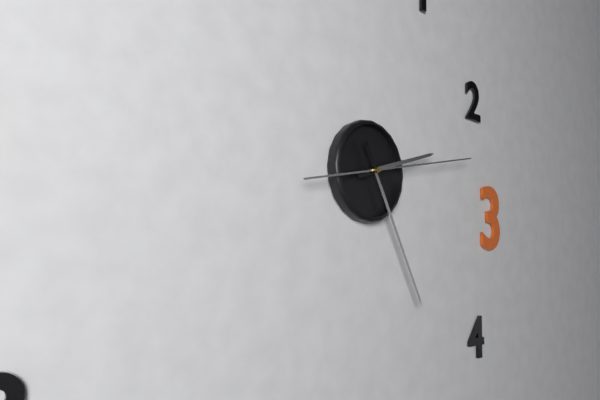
2h25m13s
